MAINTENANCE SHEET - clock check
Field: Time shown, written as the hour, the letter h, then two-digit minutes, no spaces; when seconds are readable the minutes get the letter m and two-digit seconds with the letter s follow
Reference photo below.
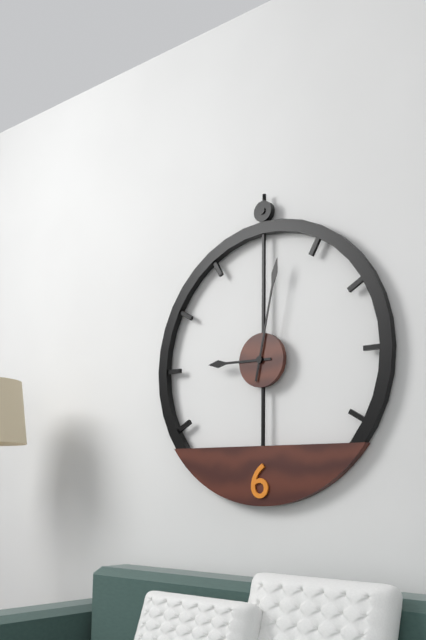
9h02
